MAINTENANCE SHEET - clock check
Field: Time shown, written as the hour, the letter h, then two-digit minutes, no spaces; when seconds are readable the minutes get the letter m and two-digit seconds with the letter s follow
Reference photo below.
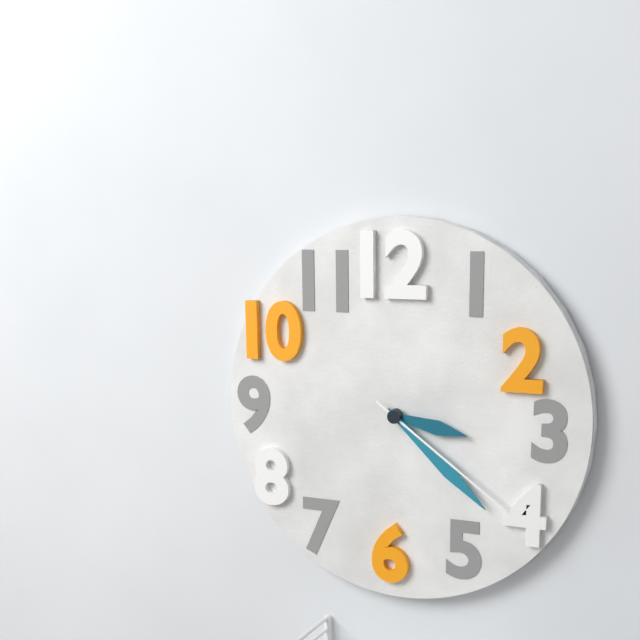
3h22m21s
